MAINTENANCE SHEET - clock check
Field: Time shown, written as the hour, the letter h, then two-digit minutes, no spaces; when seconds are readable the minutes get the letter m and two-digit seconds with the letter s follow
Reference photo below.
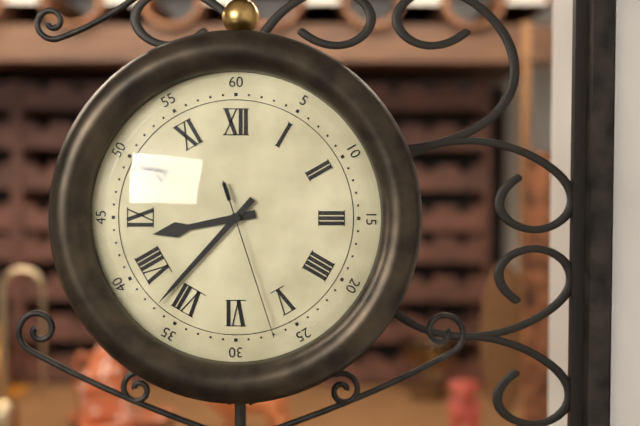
8h37m27s
